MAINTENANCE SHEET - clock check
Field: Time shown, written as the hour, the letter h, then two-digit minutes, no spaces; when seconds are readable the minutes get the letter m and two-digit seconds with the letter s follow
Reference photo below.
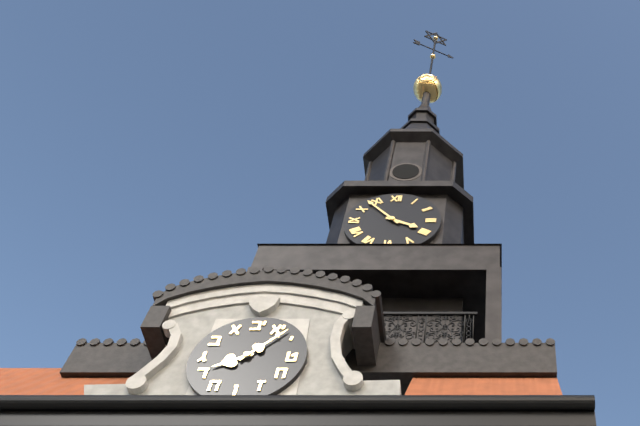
3h53
